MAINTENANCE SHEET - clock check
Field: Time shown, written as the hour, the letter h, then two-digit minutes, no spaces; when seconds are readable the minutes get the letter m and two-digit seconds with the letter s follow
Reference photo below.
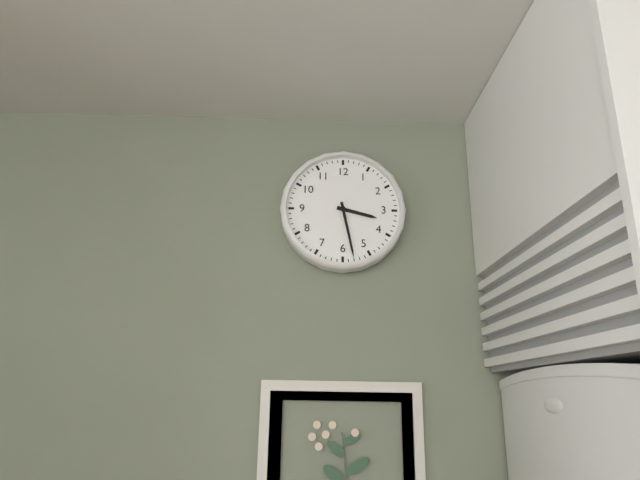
3h28
